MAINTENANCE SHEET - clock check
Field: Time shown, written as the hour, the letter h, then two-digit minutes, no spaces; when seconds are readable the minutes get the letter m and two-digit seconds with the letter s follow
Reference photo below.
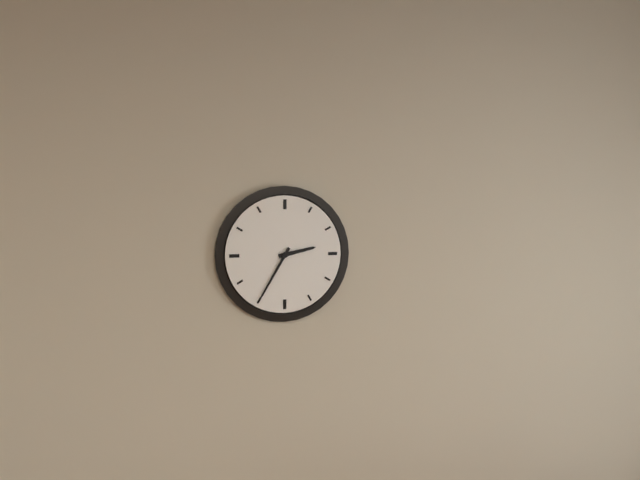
2h35
